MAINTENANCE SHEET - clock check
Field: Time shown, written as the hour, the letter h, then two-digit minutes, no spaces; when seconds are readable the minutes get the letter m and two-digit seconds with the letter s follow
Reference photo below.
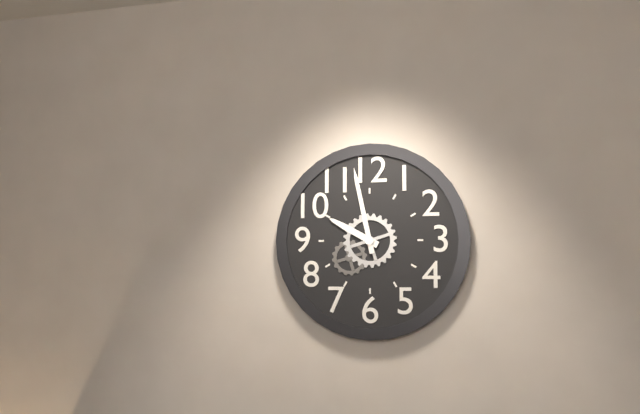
9h58
